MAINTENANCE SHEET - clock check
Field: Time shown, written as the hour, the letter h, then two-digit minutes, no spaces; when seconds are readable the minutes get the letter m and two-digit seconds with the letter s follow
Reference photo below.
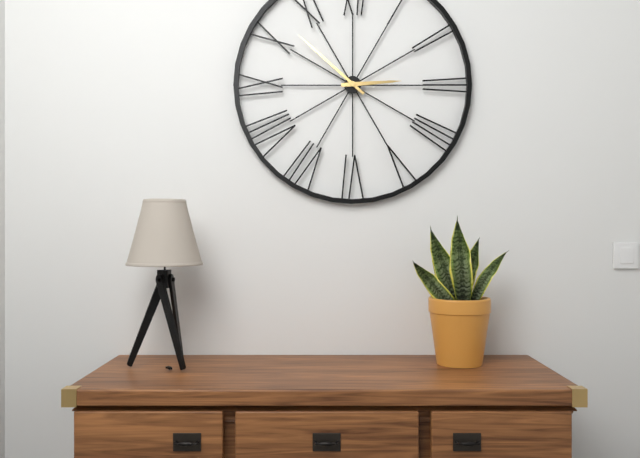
2h52
